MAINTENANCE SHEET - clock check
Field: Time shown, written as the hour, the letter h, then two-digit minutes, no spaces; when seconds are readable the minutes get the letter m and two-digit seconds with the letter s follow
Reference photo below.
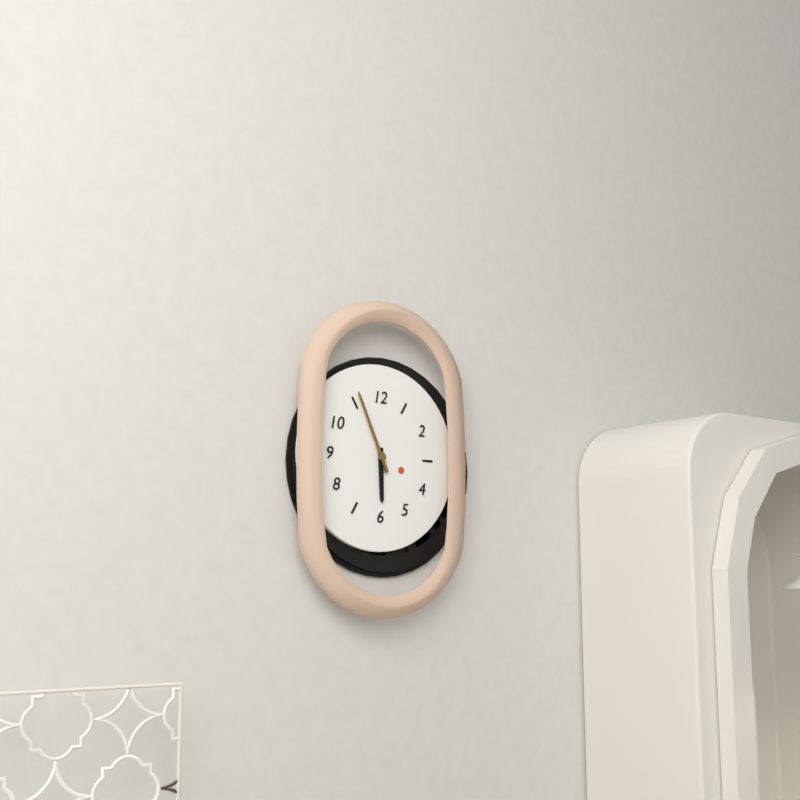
5h56
